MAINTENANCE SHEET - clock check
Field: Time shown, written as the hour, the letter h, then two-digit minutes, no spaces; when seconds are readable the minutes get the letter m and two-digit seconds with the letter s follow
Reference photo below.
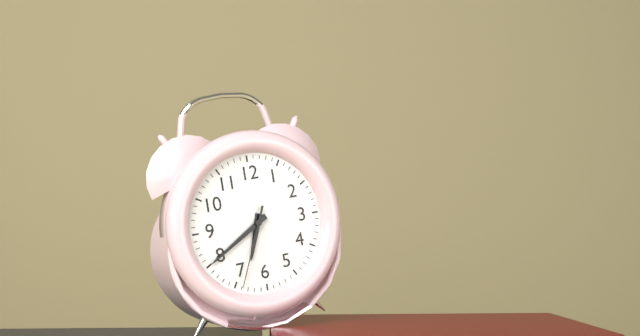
6h40m34s
